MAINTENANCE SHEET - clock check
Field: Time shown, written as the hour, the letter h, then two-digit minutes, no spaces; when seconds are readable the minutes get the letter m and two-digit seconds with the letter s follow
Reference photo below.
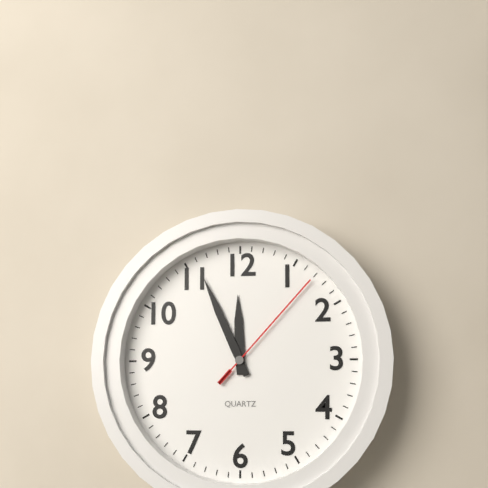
11h56m07s
